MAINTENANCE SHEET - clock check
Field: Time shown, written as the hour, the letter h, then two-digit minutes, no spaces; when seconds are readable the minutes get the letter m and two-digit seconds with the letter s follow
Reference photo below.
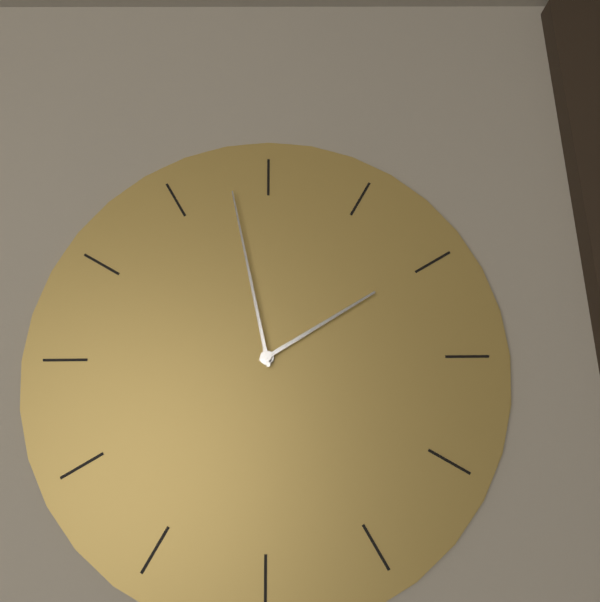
1h58
